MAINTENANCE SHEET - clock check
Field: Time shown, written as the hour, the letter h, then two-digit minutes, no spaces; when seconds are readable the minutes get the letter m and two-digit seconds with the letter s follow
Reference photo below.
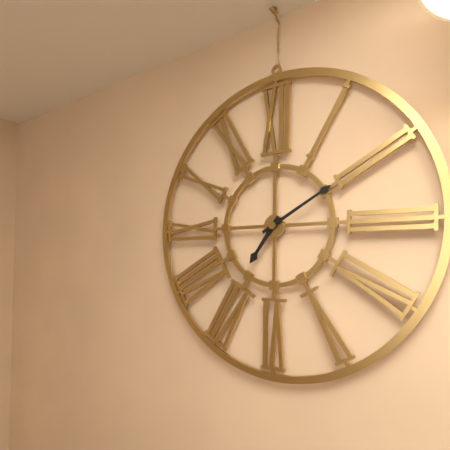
7h10
